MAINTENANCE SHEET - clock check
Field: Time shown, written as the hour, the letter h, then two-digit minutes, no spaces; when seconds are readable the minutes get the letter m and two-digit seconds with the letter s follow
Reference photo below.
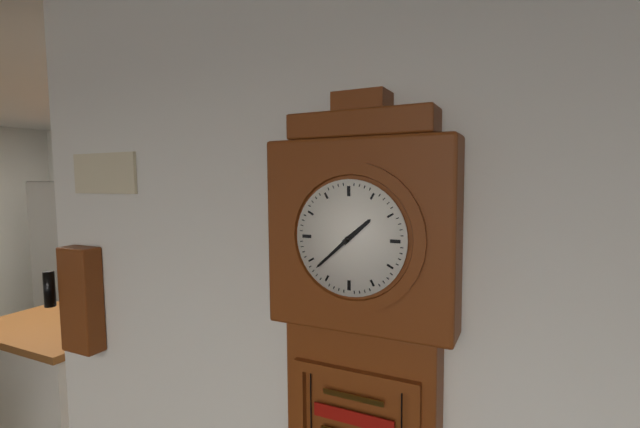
1h38
